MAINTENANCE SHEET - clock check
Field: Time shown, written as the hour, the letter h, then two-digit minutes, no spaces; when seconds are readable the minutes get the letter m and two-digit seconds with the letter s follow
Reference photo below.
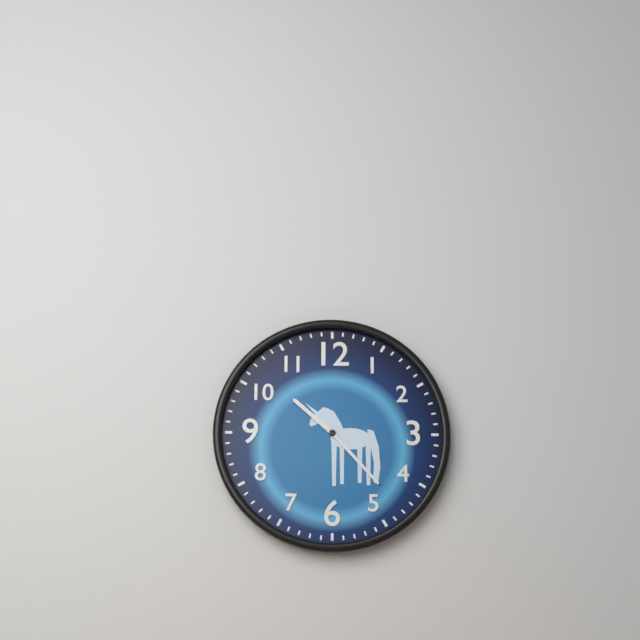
10h23
